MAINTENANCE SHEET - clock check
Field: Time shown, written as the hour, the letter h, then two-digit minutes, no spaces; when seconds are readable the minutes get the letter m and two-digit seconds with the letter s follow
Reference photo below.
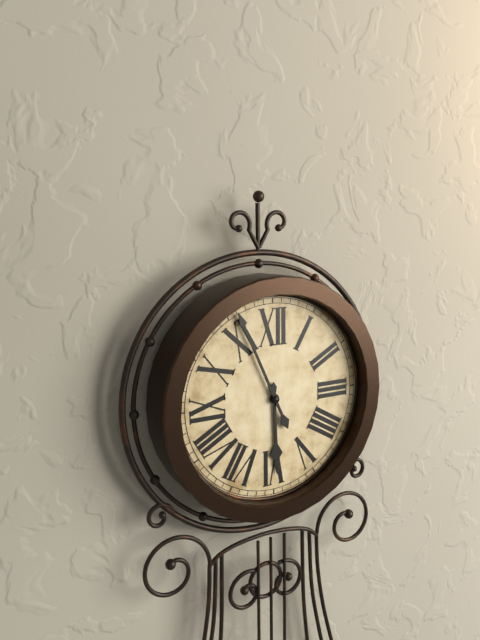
5h56
